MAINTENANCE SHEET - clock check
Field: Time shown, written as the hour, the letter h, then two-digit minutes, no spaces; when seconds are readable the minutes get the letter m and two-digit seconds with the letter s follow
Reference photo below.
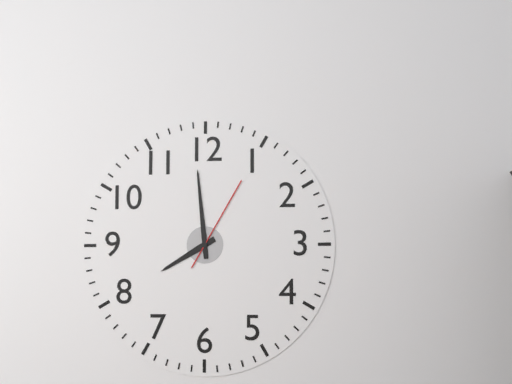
7h59m05s
